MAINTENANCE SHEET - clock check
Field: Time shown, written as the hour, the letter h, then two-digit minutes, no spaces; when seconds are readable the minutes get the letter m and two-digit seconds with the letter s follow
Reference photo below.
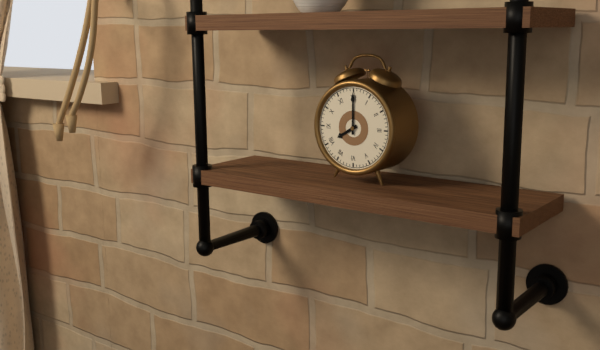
8h00
